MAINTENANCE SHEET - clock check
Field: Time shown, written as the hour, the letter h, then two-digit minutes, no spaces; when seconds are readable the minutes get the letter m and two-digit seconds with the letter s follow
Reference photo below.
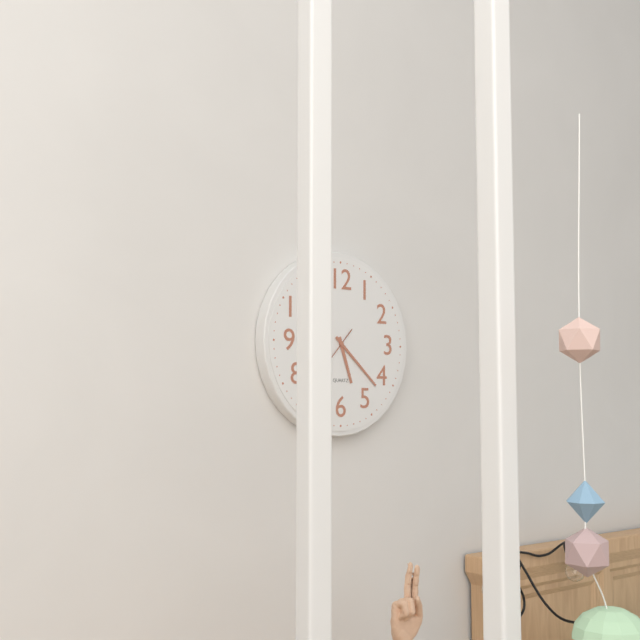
5h22
